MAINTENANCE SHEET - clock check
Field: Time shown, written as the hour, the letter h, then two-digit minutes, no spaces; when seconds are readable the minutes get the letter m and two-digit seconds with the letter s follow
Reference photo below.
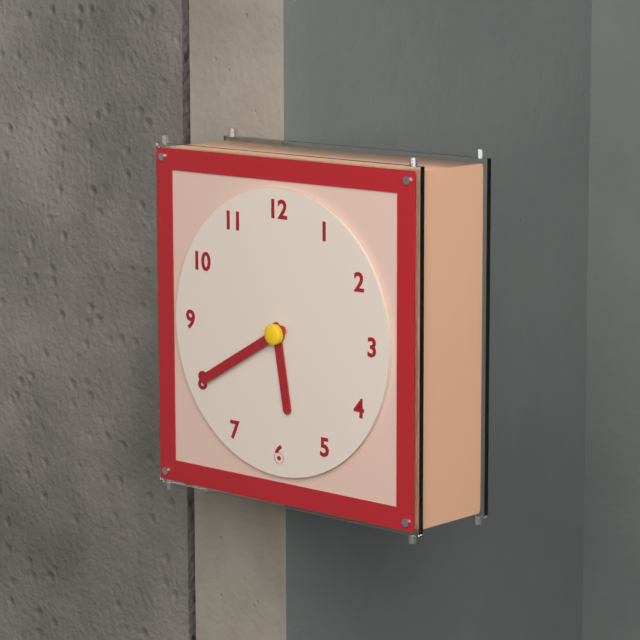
5h40
